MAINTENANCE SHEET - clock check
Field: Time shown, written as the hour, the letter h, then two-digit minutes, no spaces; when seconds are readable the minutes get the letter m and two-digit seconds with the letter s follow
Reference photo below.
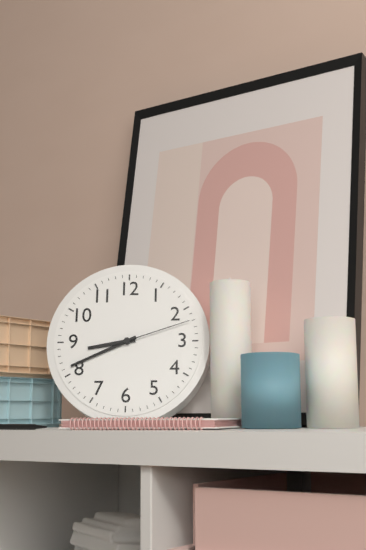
8h41m12s
